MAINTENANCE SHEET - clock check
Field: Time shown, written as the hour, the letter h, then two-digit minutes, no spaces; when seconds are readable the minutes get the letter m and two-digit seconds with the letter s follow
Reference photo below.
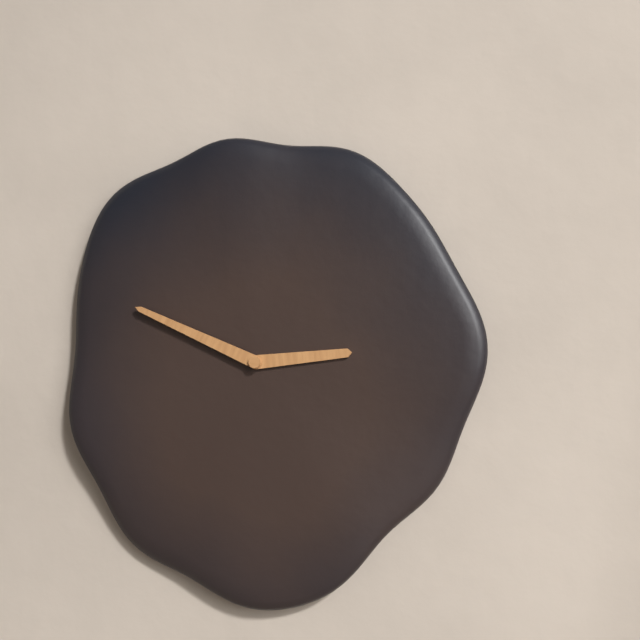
2h49
